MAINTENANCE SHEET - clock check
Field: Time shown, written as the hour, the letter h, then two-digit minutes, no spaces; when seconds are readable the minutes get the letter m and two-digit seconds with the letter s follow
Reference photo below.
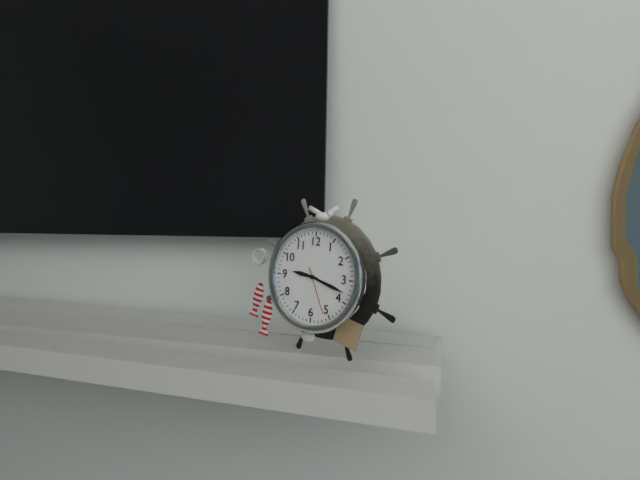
9h18
